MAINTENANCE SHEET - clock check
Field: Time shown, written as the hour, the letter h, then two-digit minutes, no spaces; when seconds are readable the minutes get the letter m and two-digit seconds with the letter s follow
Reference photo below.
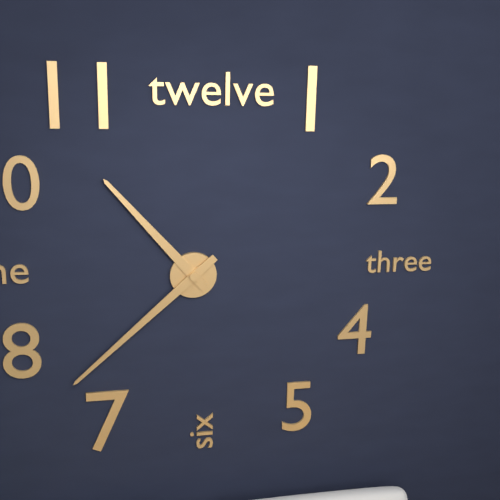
10h38
